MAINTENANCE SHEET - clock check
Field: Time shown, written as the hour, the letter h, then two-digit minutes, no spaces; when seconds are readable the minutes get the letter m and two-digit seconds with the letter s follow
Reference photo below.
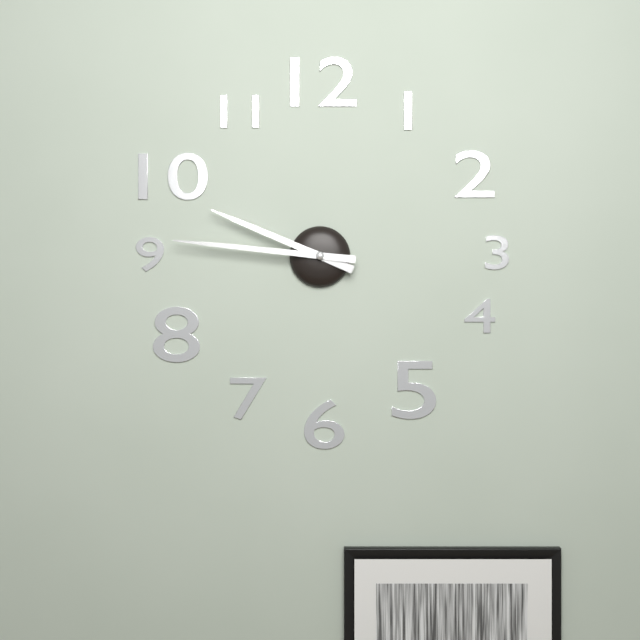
9h46
